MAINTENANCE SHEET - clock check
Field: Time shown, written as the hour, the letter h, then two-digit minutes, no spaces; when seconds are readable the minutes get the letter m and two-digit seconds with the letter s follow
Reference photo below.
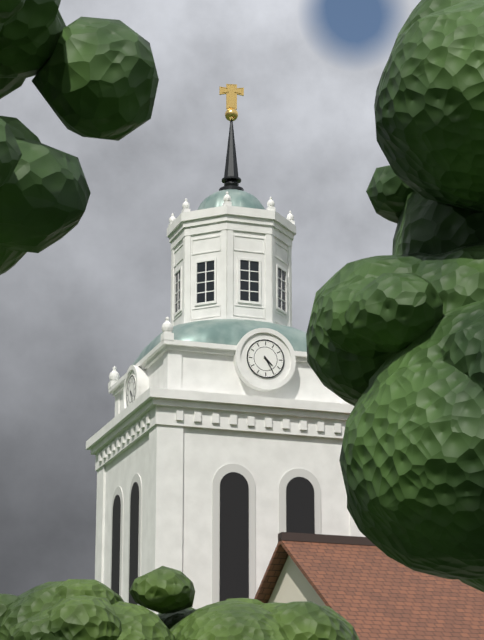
4h25
